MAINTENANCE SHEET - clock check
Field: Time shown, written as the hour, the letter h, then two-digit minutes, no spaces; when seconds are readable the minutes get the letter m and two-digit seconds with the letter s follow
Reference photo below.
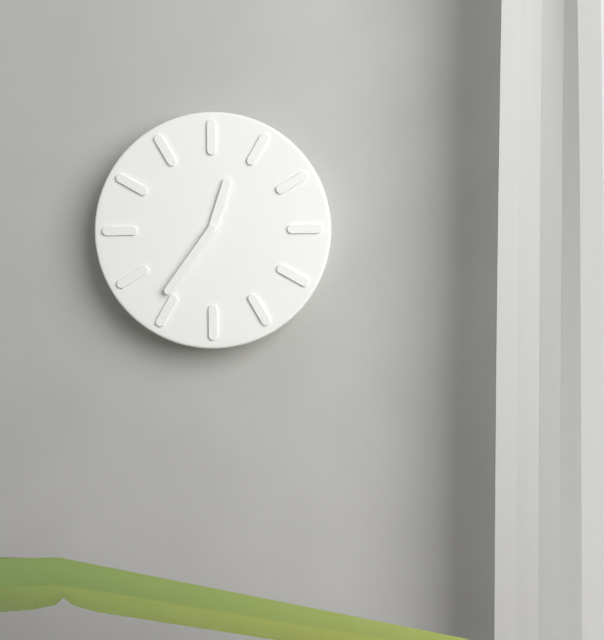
12h36
